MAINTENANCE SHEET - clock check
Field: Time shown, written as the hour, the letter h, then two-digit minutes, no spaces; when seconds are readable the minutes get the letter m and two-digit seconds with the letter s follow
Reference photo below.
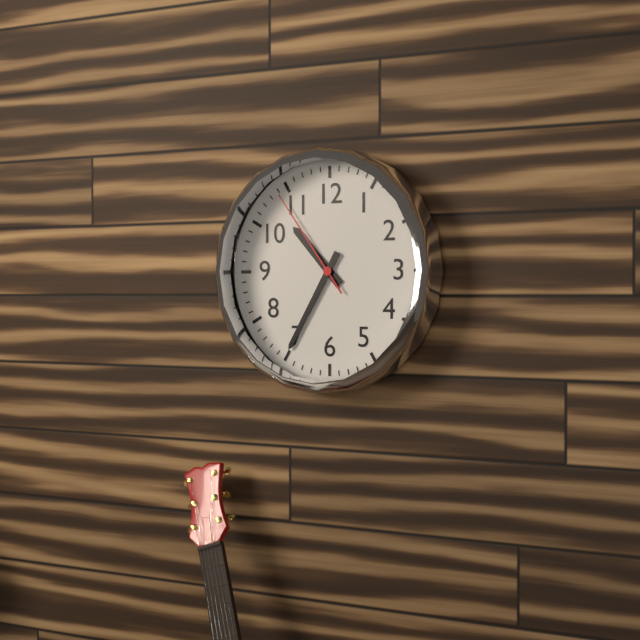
10h35m54s
